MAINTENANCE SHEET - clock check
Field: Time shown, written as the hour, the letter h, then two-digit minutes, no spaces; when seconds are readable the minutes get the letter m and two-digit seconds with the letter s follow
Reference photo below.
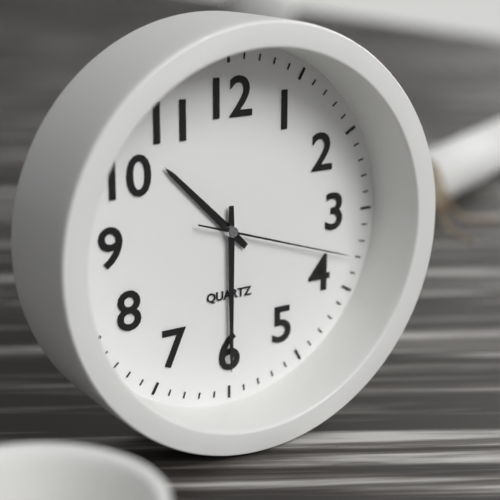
10h30m18s
